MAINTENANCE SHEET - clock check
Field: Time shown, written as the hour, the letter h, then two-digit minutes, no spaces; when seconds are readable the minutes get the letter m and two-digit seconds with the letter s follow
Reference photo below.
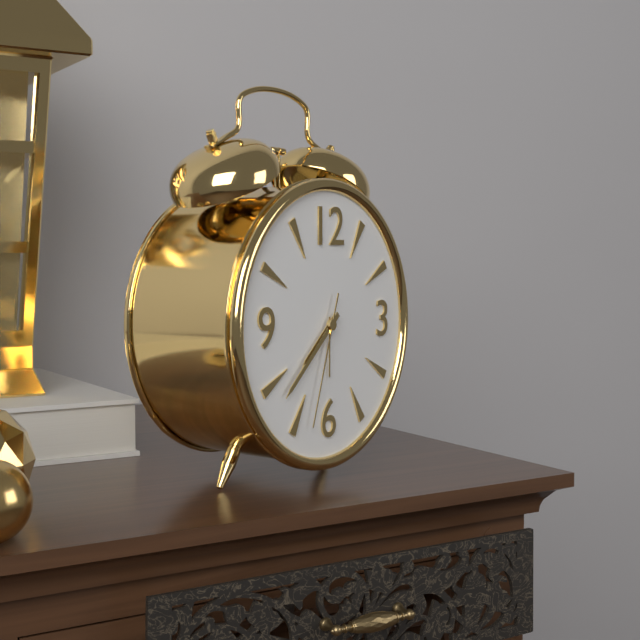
7h38m33s
